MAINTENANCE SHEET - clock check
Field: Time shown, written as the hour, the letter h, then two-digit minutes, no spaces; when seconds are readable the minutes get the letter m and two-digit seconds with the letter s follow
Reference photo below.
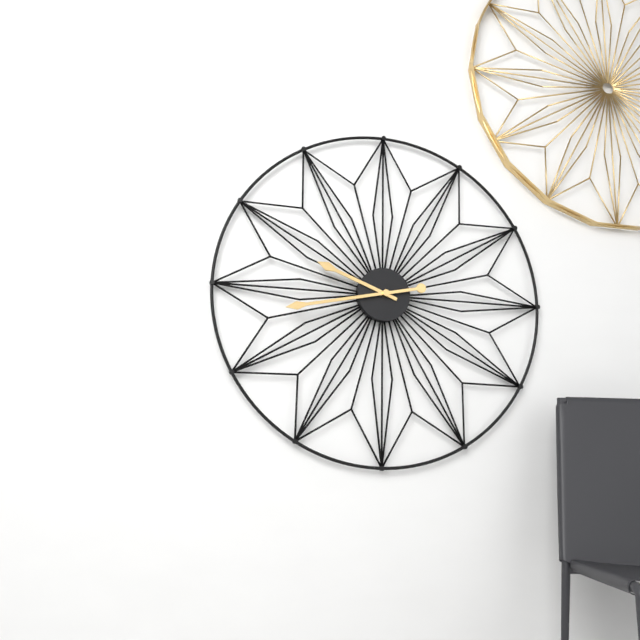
9h43
